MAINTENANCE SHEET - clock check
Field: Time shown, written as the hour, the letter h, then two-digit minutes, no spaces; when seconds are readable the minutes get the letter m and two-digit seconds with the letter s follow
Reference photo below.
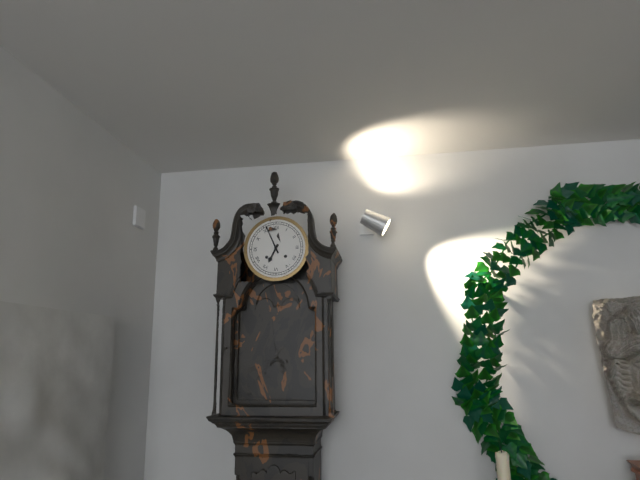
6h56
